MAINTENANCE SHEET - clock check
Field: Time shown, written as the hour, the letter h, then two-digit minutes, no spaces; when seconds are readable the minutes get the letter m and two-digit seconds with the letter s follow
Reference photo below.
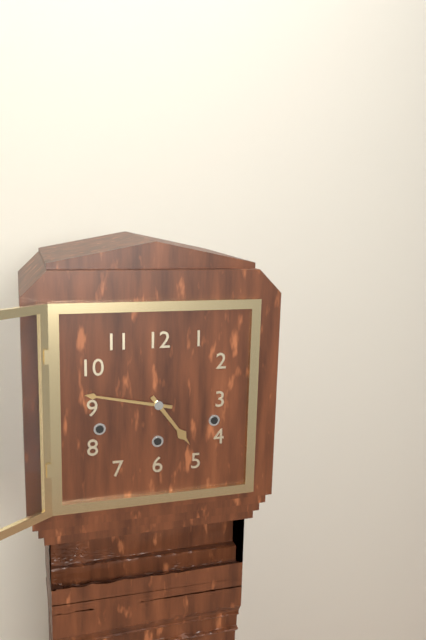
4h47
